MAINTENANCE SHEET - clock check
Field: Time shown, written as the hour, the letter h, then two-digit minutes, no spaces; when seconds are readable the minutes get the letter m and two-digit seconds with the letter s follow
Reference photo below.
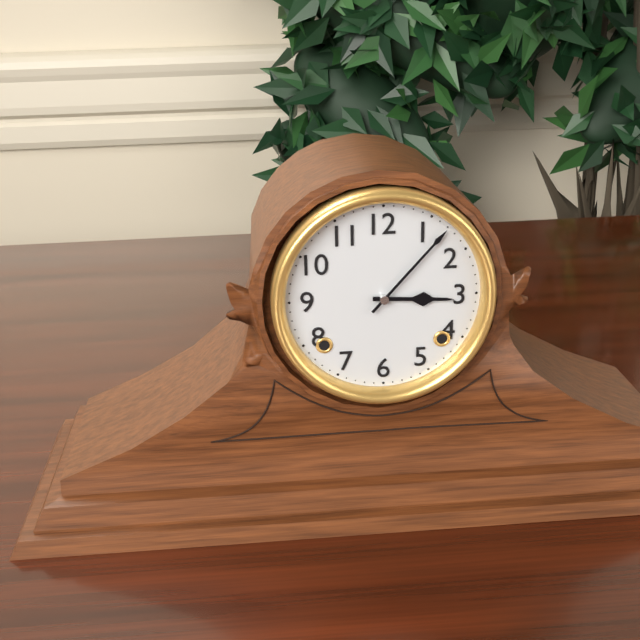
3h07
